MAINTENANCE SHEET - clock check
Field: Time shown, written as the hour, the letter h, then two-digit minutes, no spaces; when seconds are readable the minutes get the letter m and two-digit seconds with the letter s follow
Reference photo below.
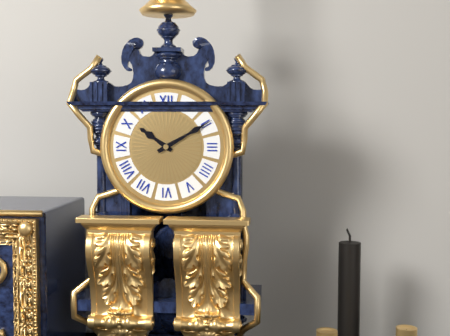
10h10
